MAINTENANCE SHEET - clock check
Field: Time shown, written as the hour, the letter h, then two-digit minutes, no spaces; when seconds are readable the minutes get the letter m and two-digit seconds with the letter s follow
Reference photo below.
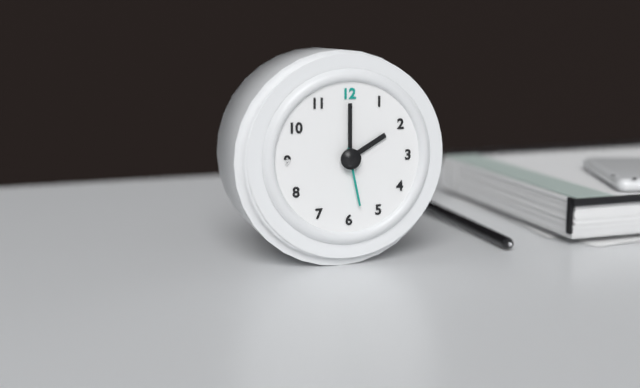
2h00m28s
